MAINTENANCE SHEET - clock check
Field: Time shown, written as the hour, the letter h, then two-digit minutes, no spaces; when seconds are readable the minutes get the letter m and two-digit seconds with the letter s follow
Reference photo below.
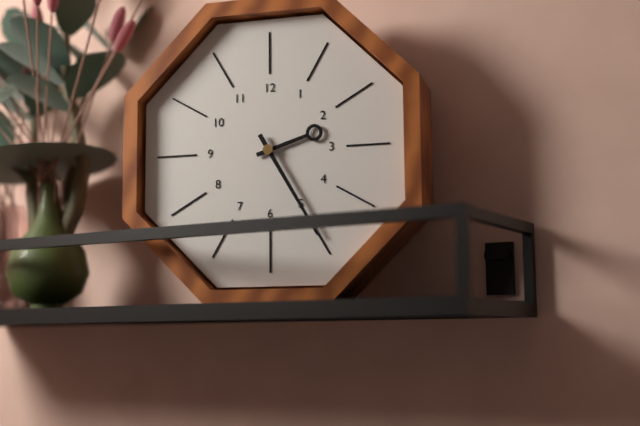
2h25
